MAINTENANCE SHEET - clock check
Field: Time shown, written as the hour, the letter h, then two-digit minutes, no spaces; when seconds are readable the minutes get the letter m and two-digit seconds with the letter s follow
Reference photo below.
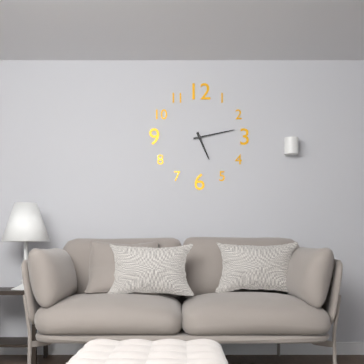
5h13
